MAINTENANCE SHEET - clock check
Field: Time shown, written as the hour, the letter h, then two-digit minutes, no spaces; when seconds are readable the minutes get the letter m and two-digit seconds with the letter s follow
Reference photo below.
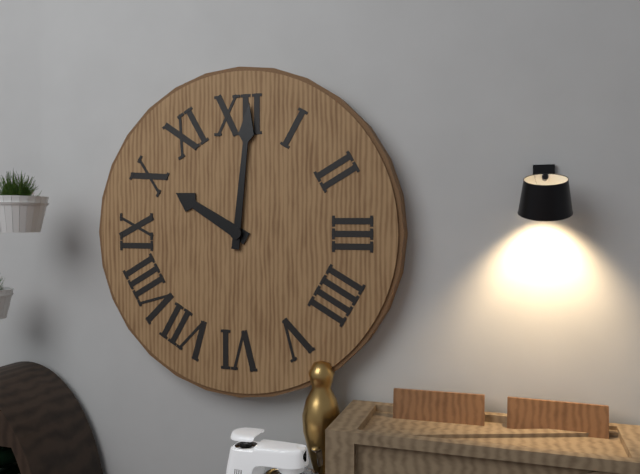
10h01
